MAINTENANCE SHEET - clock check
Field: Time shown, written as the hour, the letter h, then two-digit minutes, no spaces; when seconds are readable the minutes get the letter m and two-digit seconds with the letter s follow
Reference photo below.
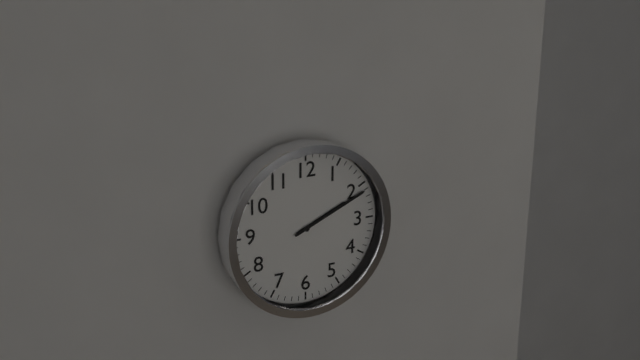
2h11
